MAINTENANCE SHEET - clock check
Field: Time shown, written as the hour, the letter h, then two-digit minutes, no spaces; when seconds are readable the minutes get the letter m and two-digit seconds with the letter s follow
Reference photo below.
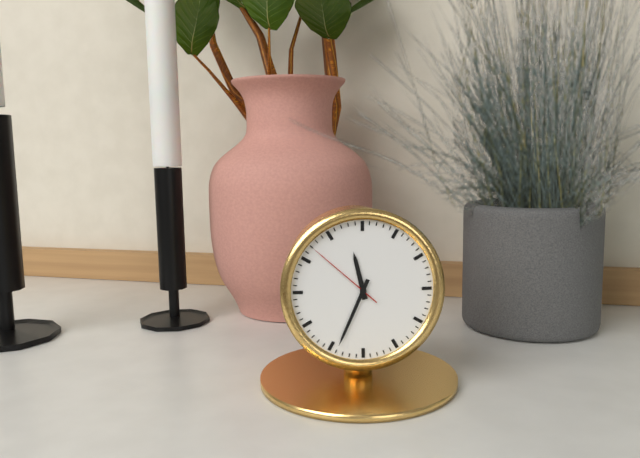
11h34m52s
